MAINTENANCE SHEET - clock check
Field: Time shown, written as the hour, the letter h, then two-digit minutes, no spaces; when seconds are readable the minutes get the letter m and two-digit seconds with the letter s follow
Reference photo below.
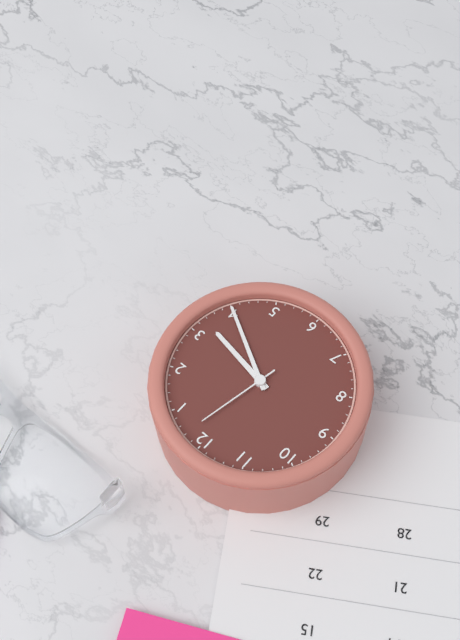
3h20m02s
